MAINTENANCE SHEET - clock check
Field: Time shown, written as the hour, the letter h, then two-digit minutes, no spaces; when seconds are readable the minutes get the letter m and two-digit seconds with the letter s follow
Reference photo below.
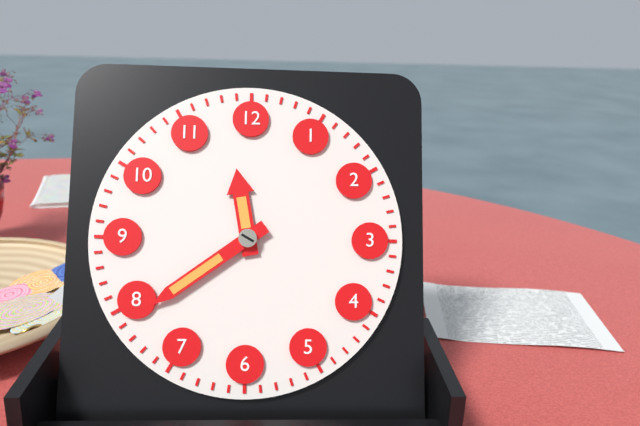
11h39
